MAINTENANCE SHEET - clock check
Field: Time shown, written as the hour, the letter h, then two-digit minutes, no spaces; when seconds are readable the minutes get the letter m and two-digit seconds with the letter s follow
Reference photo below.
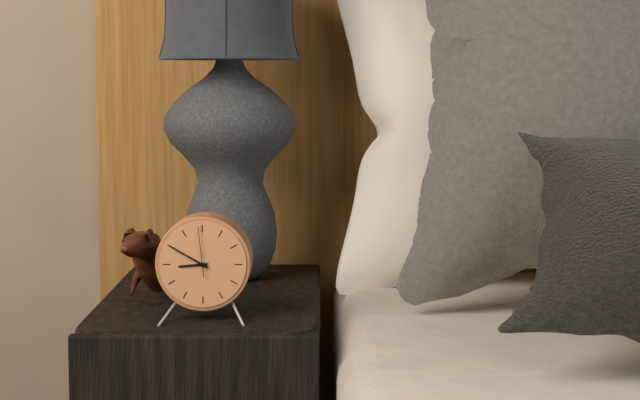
8h50
